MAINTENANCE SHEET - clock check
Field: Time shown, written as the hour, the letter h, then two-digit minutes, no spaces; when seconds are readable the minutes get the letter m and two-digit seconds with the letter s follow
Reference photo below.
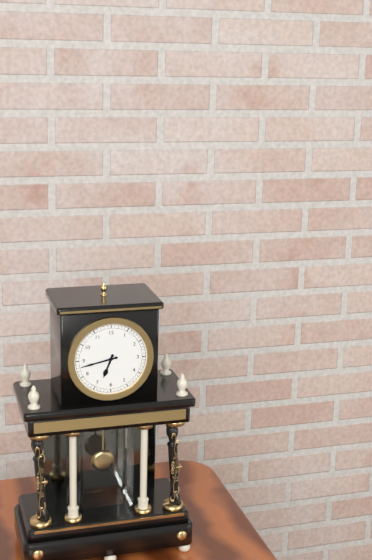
6h43
